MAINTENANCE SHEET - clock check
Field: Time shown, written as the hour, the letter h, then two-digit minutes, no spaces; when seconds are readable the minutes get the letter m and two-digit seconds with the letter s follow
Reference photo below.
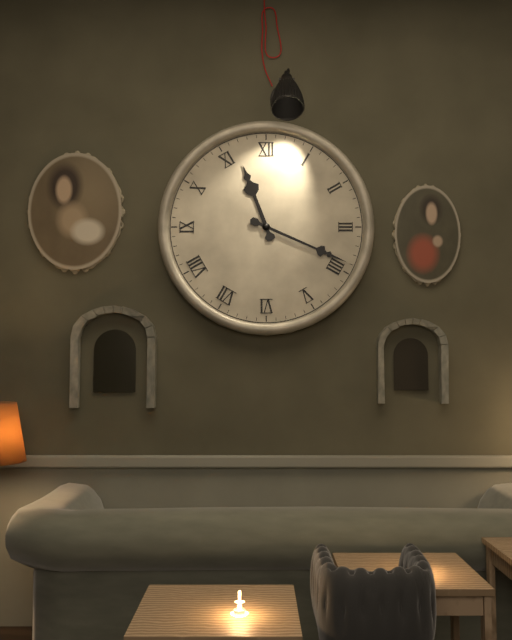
11h19
